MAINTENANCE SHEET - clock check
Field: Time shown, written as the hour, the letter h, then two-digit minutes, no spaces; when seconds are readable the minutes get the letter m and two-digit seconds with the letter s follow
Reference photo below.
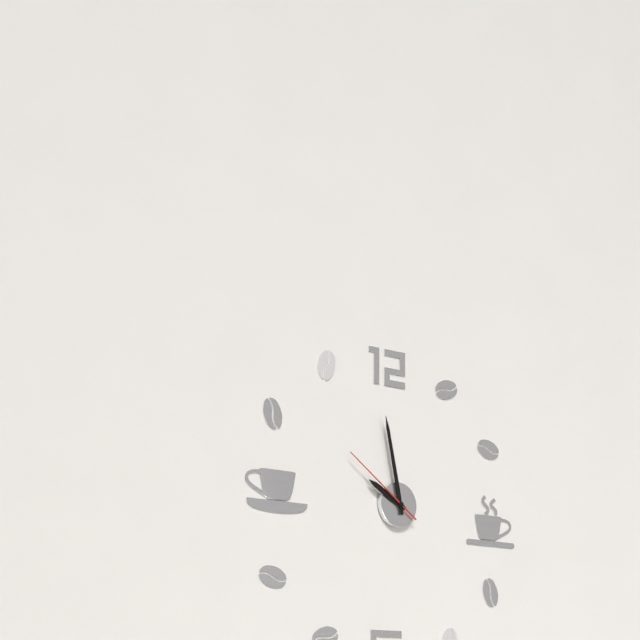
9h58m51s
